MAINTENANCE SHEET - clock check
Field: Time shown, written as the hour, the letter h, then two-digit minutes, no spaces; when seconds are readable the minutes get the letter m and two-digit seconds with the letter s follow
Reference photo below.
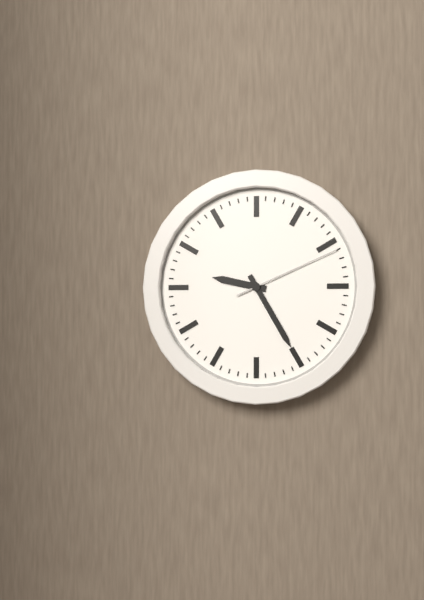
9h25m11s
